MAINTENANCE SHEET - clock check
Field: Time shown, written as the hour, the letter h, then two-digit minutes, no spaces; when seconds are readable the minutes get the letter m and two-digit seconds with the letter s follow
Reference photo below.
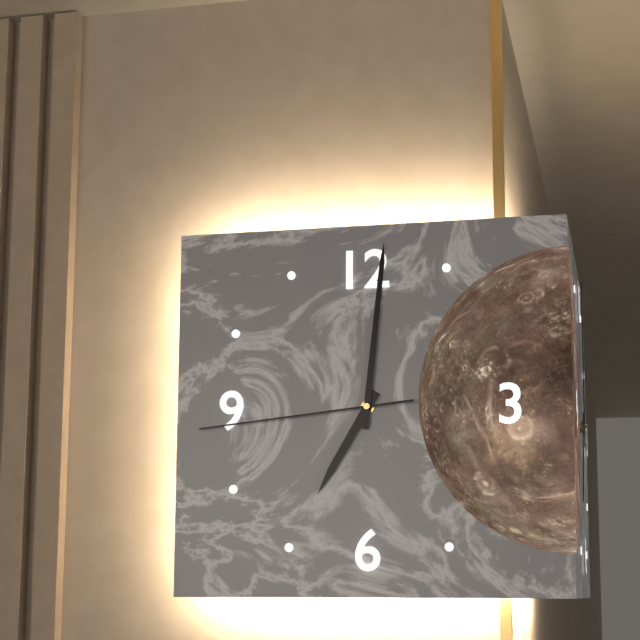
7h01m44s
